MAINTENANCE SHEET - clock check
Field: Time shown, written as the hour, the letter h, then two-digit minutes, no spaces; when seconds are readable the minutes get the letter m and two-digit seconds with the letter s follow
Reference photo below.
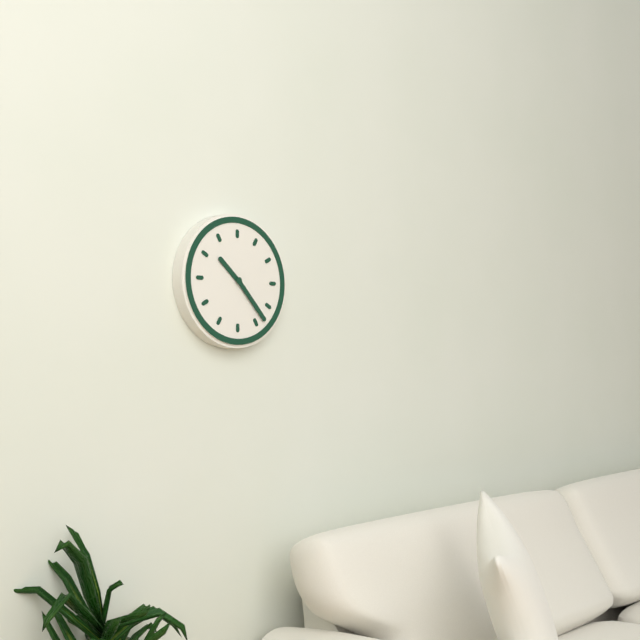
10h23
